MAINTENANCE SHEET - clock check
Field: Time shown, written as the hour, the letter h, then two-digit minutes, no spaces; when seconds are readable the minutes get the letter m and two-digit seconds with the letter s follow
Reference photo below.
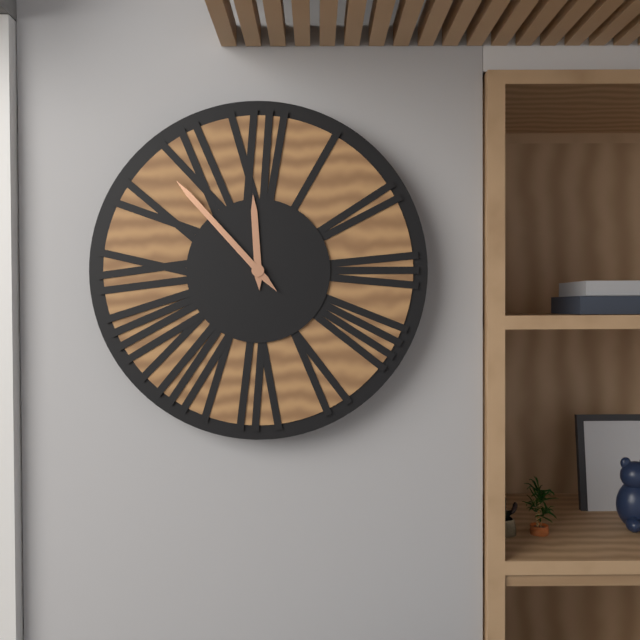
11h53
